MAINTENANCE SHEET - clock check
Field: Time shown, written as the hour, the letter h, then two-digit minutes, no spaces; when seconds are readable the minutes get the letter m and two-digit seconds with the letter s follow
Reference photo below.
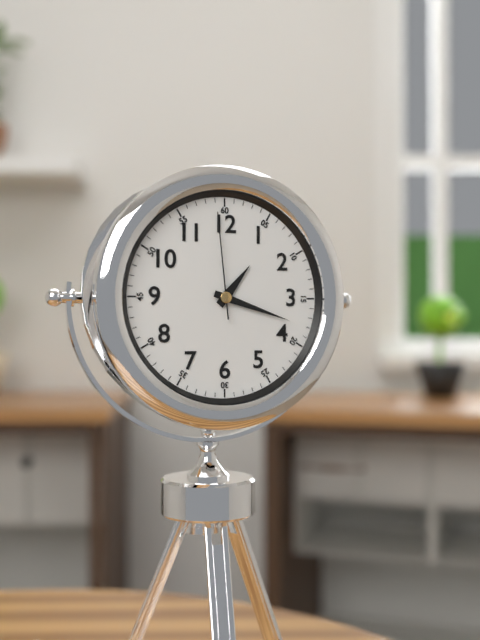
1h18m59s
